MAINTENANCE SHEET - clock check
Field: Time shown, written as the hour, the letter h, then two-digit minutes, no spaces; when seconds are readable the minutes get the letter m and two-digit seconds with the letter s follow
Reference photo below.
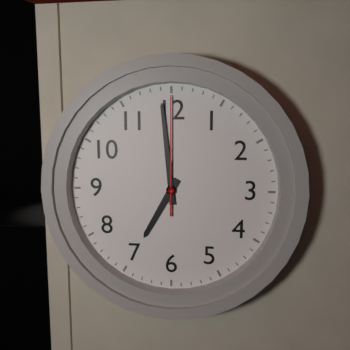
6h59m00s
